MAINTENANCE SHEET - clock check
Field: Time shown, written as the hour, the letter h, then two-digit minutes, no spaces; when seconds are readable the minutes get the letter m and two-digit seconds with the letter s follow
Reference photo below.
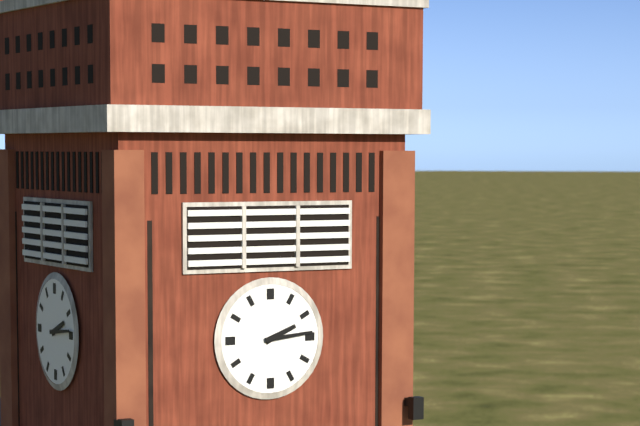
2h14
